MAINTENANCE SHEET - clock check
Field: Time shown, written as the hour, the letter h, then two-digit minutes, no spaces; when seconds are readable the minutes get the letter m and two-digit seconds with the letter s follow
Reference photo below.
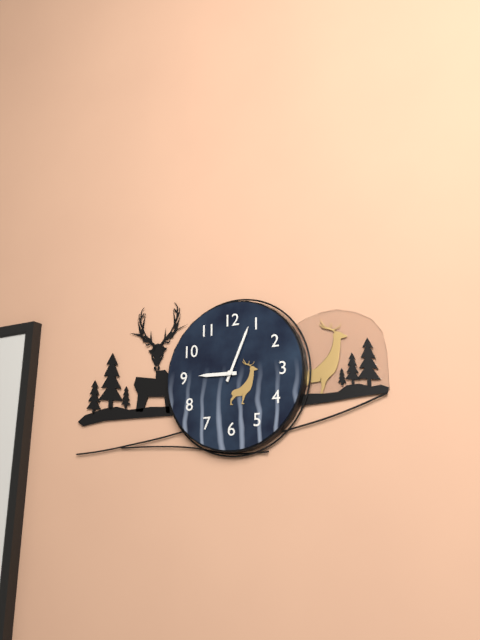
9h04
